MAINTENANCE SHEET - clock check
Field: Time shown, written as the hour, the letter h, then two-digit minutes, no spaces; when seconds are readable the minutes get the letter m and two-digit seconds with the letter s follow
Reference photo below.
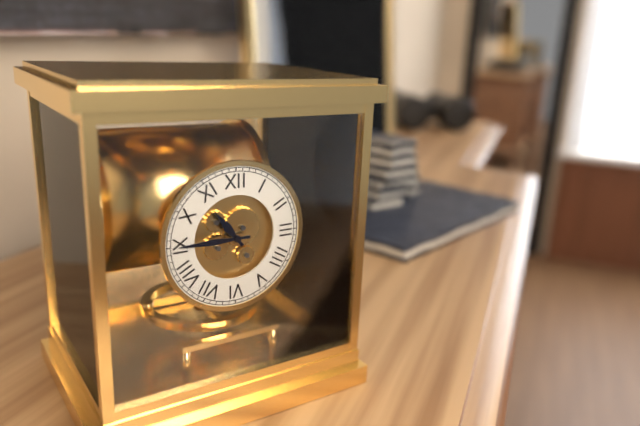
10h45
